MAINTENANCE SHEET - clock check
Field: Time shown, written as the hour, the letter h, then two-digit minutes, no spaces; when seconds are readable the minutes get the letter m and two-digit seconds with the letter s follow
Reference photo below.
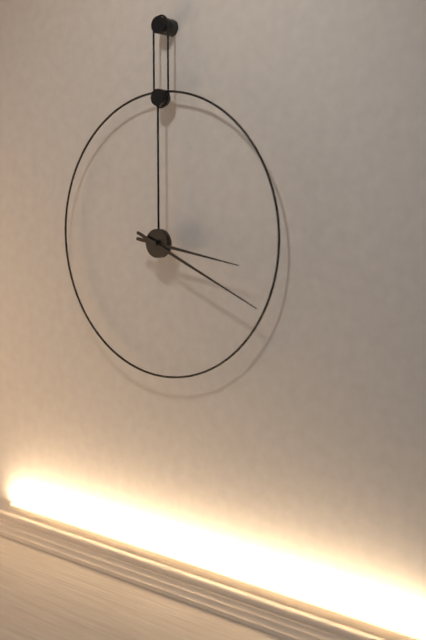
3h19
